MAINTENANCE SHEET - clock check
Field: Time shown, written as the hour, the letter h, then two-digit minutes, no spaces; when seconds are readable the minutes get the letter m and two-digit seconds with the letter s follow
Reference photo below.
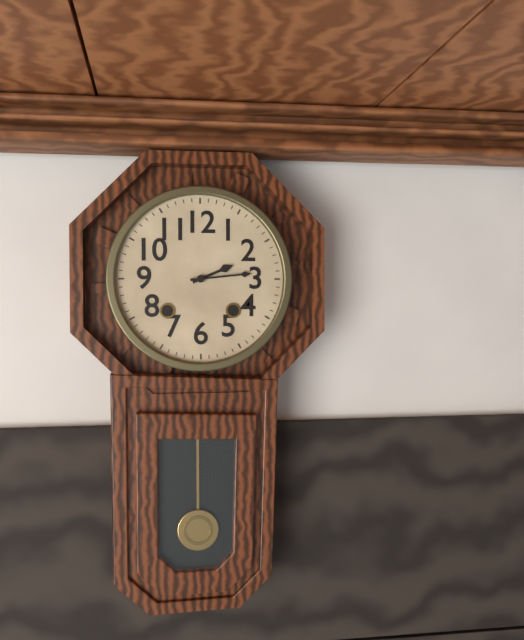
2h14
